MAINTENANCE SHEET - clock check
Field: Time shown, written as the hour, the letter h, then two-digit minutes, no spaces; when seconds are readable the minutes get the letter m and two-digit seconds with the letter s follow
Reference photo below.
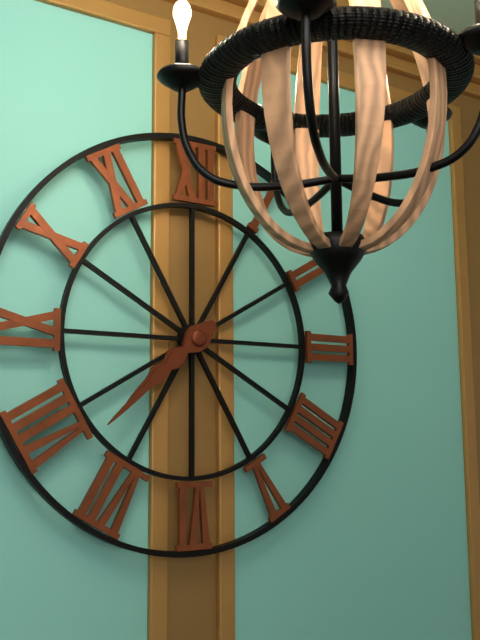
7h38
